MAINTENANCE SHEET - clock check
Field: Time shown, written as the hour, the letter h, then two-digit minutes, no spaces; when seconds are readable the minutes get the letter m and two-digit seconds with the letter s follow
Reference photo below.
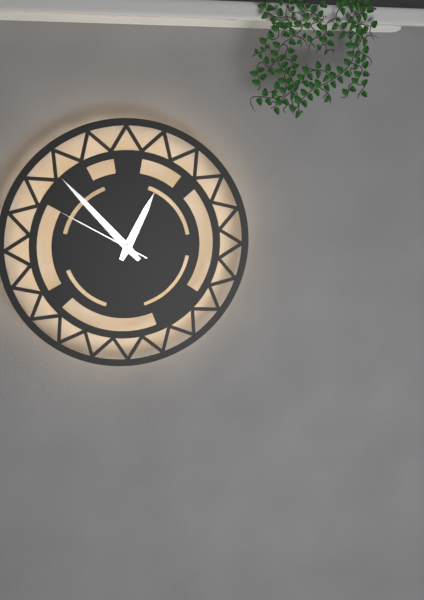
12h53m50s
